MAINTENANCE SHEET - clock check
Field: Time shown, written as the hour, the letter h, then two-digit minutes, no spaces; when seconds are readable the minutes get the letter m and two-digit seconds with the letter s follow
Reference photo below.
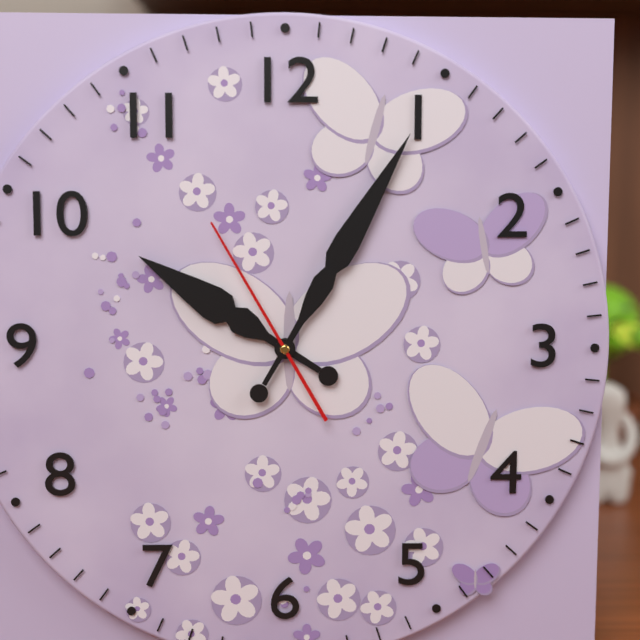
10h05m55s
